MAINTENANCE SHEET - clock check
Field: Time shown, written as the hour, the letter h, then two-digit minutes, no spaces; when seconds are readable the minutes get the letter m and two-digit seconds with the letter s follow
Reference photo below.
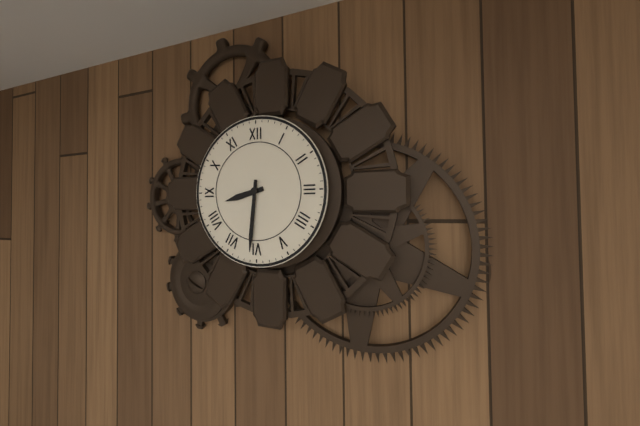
8h31
